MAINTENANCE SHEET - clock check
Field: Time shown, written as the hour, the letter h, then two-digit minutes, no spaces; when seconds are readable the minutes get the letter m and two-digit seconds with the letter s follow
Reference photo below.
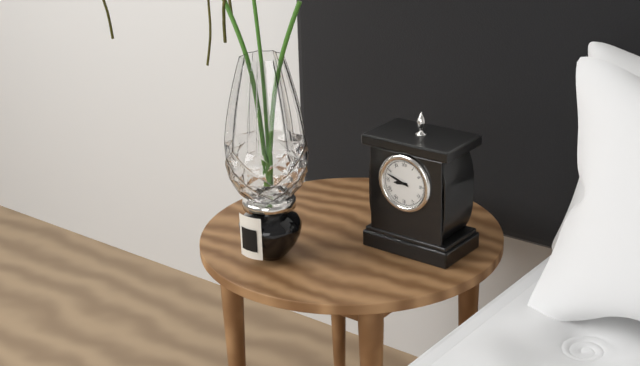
8h48
